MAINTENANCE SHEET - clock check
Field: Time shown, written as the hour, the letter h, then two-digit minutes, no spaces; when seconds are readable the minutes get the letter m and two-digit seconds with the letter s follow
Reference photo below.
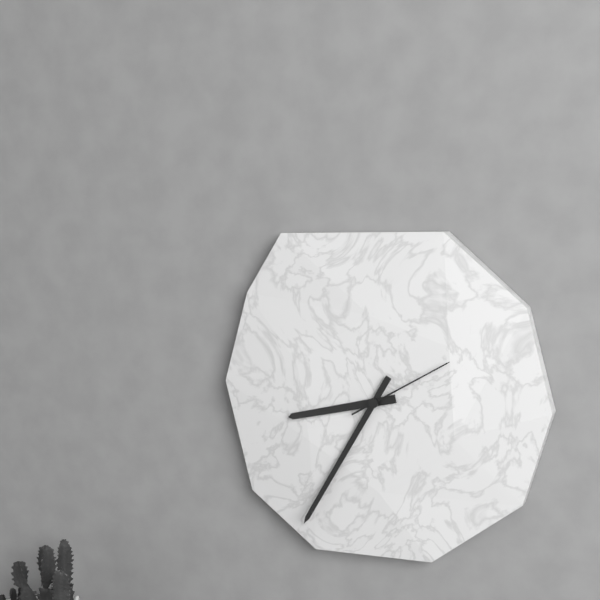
8h35m10s
